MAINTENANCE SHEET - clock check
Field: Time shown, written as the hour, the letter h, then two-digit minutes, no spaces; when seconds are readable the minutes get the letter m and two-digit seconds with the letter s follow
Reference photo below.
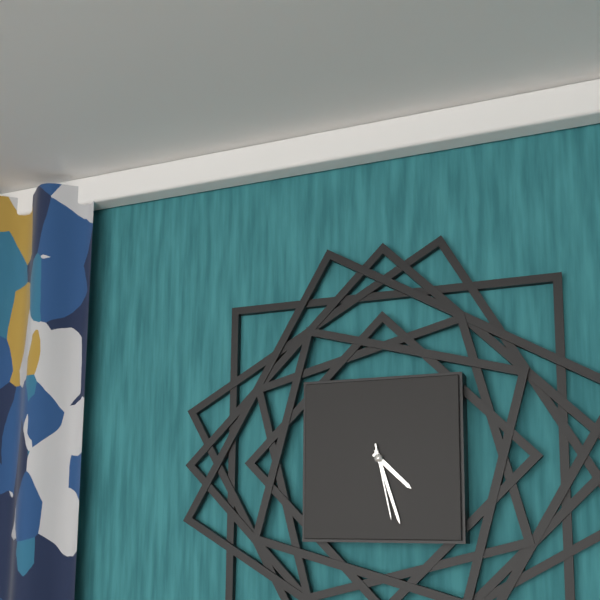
4h27m28s
